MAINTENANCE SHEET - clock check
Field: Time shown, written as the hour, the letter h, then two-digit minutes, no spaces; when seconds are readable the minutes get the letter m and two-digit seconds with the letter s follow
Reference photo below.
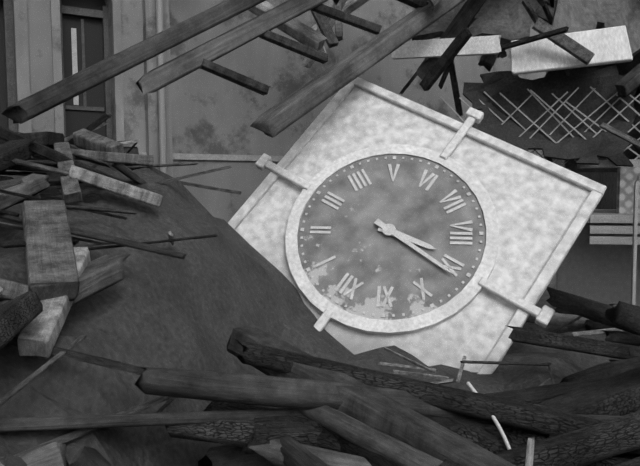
8h46
